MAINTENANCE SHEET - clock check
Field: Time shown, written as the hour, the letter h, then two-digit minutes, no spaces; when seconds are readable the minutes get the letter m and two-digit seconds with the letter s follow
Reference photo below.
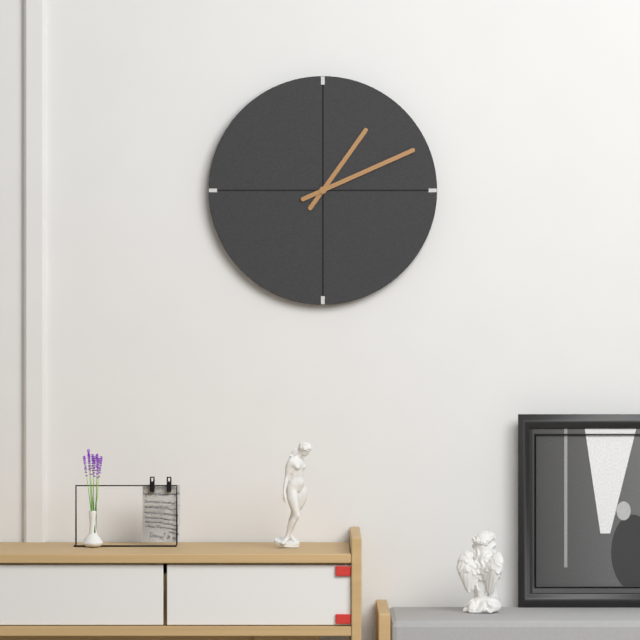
1h11
